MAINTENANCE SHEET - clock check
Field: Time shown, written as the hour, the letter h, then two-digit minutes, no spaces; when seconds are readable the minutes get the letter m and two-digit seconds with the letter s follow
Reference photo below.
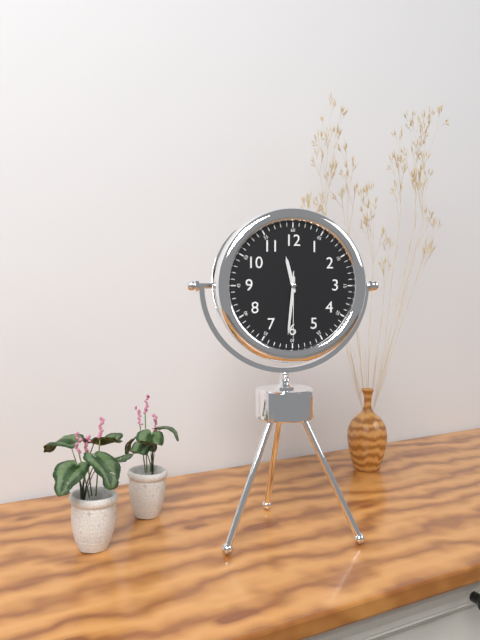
11h31m30s
